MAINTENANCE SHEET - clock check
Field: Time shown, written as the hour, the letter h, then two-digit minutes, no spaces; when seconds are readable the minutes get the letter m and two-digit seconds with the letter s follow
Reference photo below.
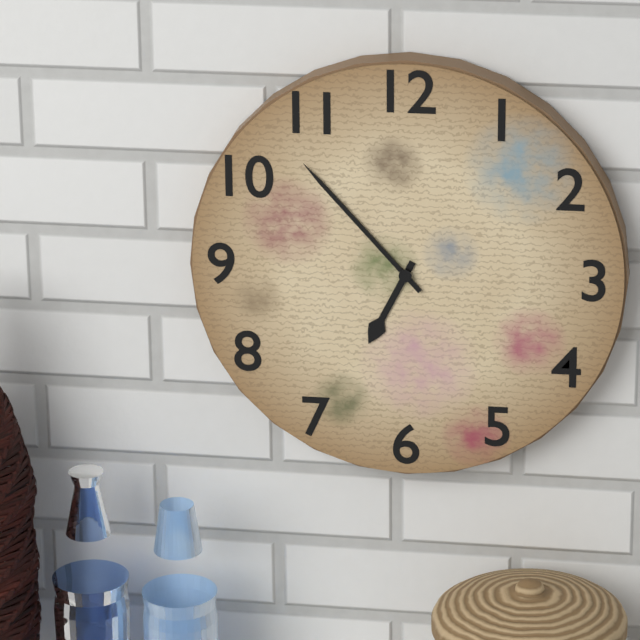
6h53
